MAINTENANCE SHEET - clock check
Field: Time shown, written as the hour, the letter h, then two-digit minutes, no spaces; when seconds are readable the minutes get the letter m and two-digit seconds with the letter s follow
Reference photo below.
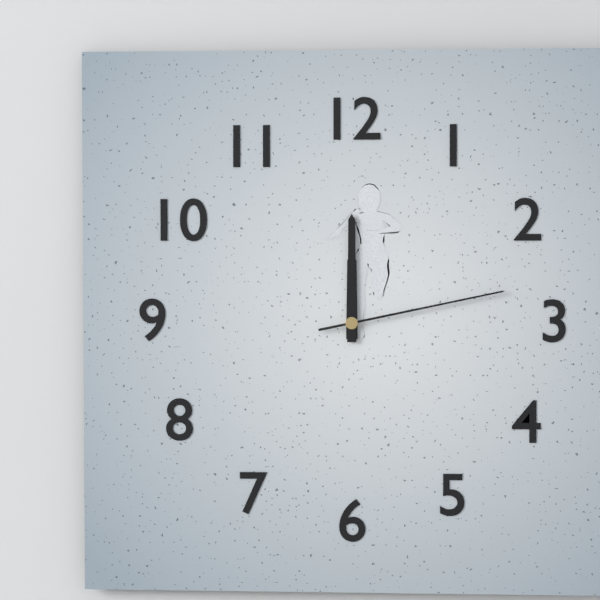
12h00m13s
